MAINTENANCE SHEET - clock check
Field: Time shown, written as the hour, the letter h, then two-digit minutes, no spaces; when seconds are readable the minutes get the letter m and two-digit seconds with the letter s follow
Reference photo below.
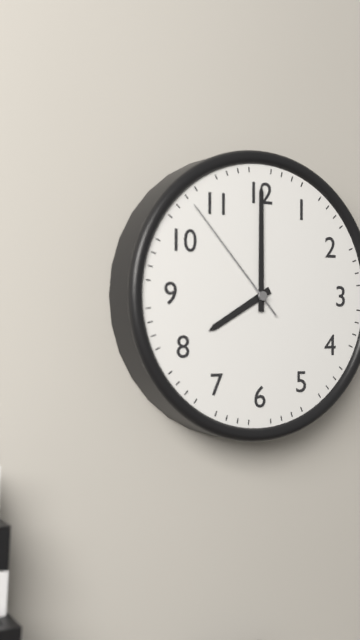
8h00m53s
